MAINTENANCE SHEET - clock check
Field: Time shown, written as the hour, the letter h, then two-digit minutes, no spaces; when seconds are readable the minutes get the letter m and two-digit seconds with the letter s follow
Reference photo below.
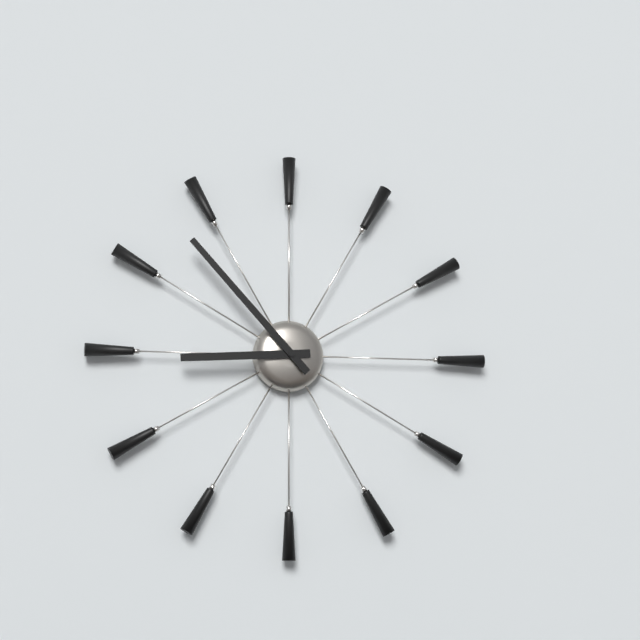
8h53
